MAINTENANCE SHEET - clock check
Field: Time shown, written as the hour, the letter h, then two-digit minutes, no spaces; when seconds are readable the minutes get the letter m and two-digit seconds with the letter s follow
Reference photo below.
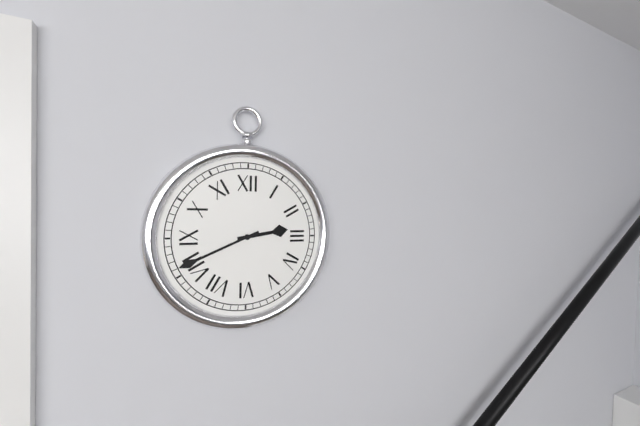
2h41
